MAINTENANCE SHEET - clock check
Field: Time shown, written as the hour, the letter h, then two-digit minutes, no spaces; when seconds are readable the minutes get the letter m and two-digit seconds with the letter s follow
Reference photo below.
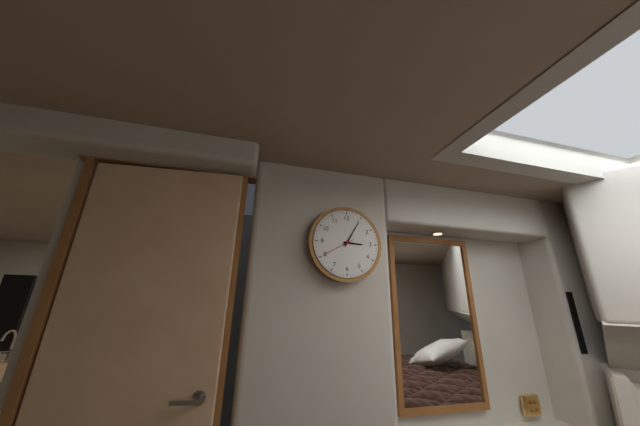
3h05
